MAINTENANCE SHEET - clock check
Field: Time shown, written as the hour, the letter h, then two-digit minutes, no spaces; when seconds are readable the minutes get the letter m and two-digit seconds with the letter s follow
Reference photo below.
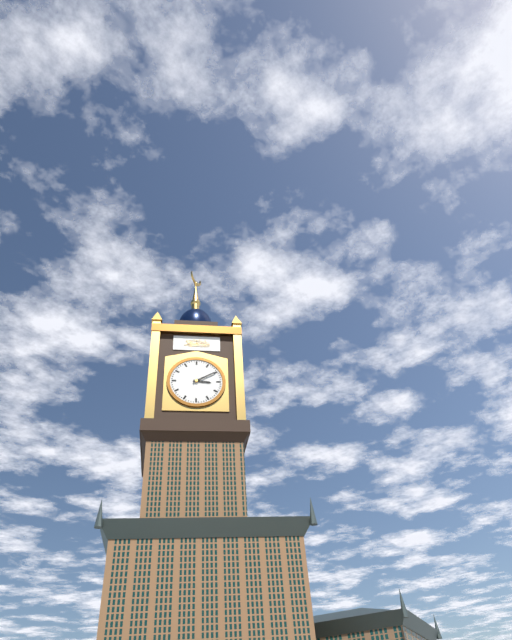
3h10
